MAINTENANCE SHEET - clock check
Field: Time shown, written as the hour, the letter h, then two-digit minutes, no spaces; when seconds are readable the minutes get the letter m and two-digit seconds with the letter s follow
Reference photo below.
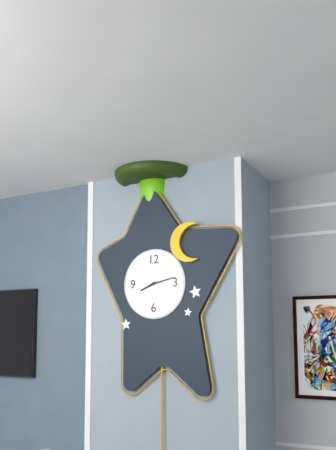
8h13
